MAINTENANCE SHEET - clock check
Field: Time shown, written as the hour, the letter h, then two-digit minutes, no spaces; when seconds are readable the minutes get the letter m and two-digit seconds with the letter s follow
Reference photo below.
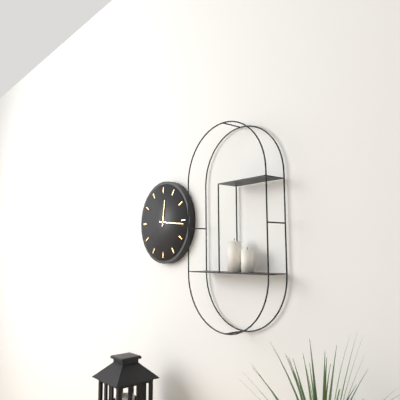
12h16
